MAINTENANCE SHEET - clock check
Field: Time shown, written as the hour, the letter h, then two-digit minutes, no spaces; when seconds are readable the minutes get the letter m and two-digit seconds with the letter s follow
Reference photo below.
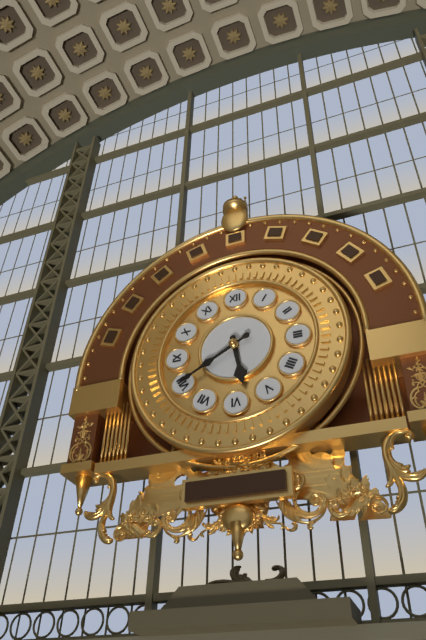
5h40
